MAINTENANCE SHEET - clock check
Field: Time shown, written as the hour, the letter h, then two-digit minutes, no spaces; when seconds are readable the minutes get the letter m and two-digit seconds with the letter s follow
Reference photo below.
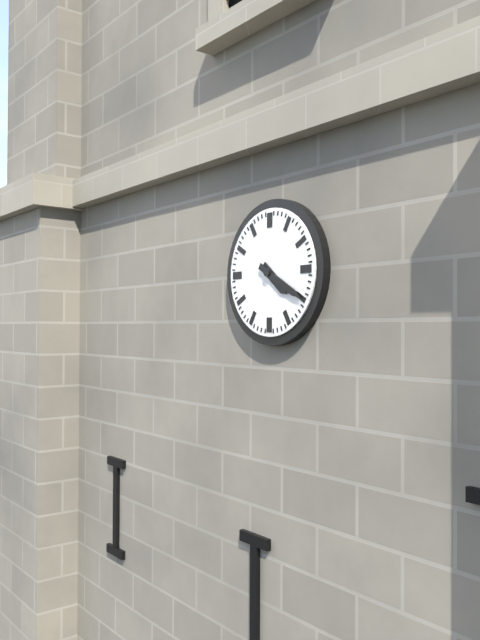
4h20
